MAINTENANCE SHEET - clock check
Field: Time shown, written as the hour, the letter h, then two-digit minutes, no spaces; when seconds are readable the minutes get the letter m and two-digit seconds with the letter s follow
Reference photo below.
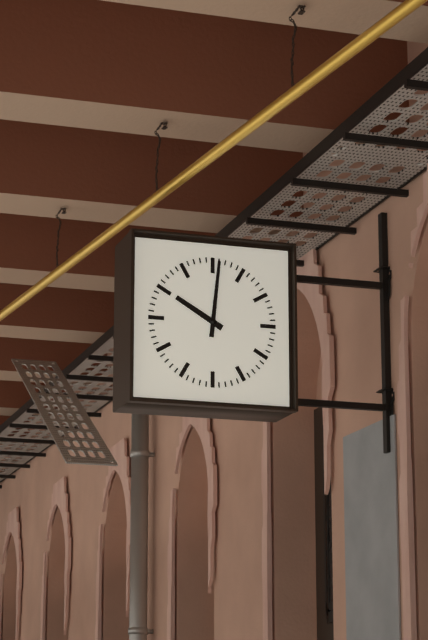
10h01
